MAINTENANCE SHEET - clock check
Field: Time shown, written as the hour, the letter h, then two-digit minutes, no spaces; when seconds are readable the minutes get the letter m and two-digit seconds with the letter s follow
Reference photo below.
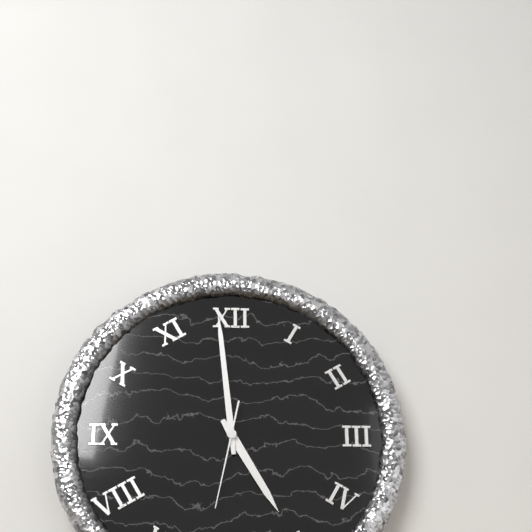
4h59m32s
